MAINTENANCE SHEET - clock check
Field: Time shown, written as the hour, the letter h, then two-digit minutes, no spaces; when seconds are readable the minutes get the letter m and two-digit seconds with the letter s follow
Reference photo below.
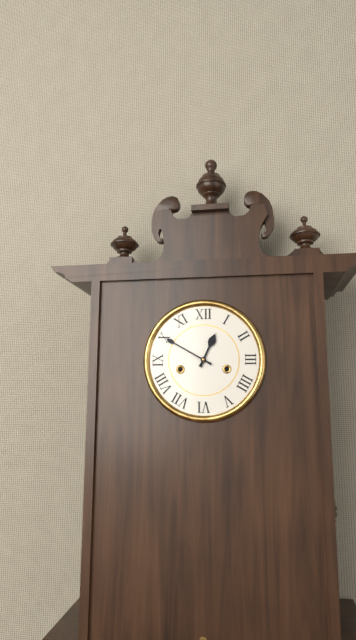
12h50
